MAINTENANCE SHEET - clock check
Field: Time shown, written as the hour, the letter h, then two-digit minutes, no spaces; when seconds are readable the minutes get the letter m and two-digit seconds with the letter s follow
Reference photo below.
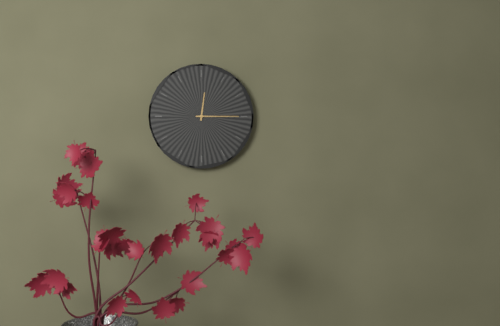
12h15
